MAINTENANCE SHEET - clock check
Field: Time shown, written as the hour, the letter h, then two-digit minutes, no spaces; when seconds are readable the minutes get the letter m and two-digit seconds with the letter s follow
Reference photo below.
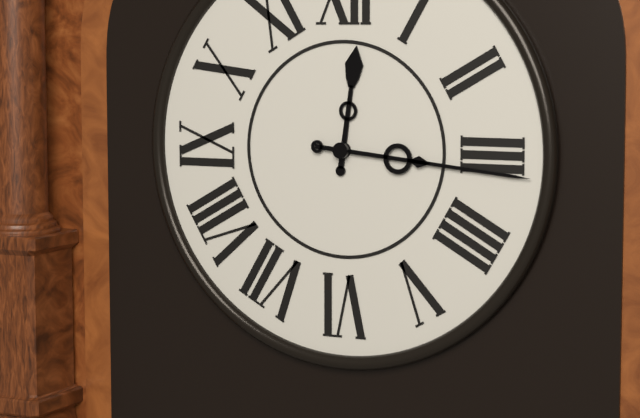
12h16
